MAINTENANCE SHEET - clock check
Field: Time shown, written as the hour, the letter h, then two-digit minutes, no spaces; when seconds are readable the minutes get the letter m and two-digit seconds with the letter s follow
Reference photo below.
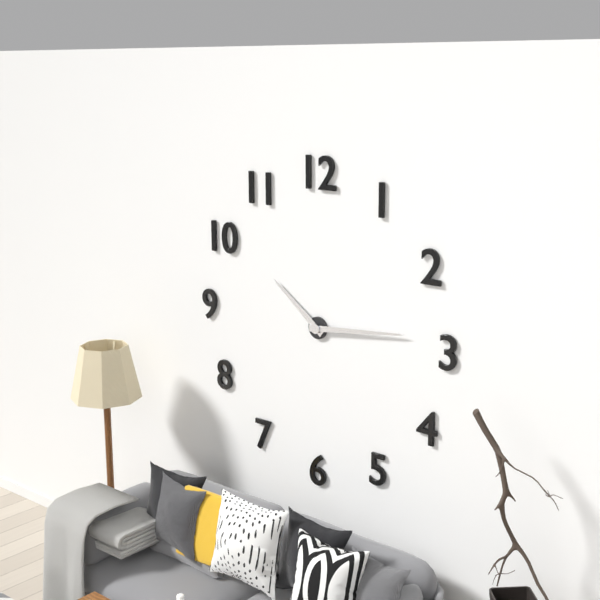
10h14
